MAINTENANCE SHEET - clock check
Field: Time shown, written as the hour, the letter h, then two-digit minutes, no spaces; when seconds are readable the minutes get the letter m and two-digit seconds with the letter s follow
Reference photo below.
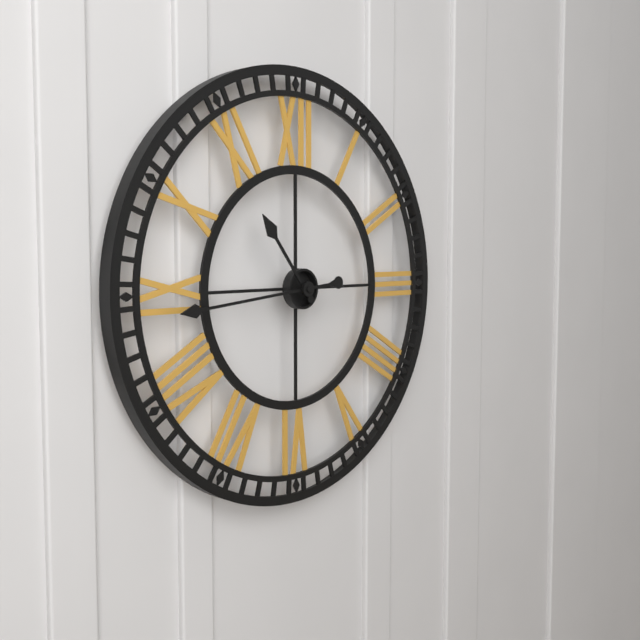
10h44
